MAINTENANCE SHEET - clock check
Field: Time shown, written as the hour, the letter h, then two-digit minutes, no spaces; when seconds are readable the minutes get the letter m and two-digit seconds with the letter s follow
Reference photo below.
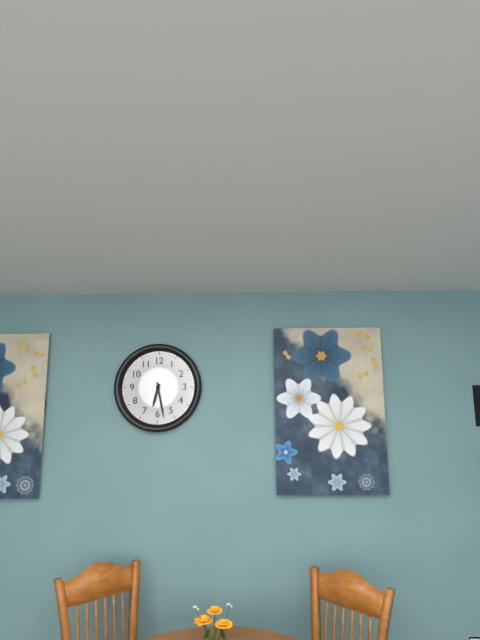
6h28
